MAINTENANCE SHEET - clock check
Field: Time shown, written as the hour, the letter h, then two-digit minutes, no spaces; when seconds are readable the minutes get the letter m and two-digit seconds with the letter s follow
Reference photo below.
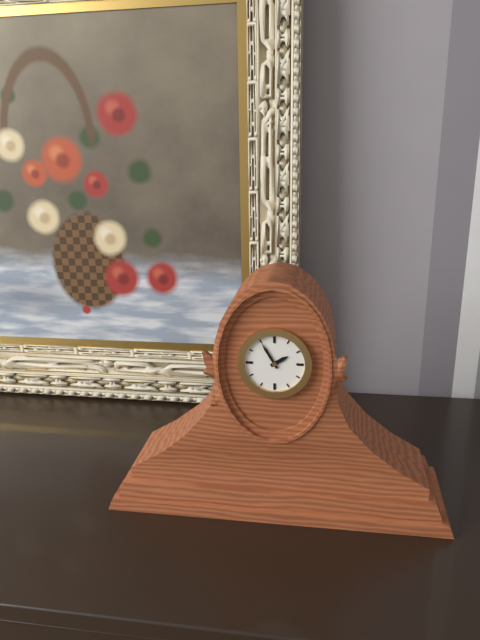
1h55
